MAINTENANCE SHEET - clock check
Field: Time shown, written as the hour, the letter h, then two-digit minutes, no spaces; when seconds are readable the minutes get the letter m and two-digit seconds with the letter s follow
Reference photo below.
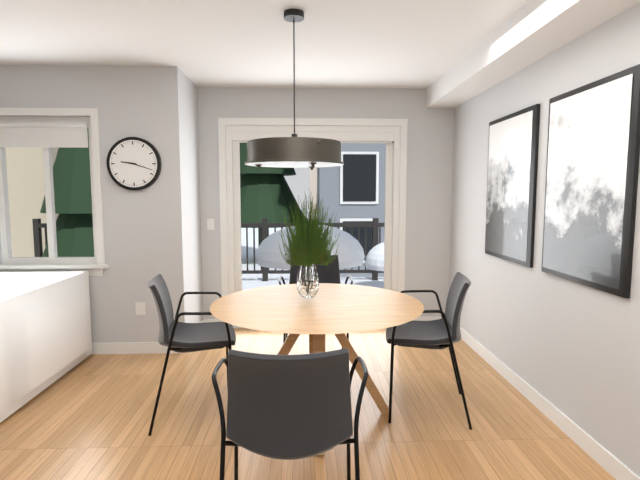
9h18
